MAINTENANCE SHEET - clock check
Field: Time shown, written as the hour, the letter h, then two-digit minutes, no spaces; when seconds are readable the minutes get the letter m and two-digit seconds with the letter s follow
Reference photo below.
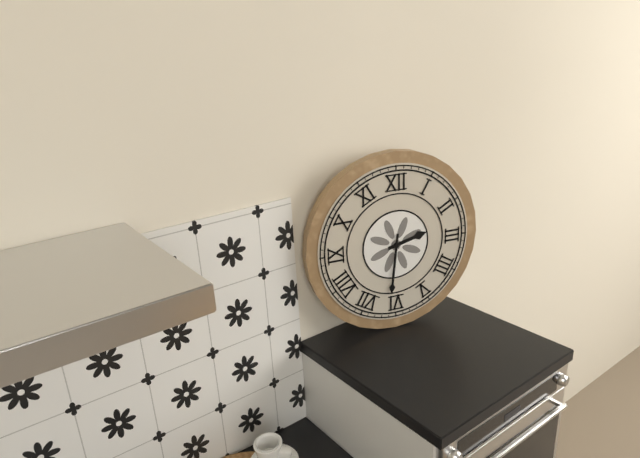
2h31
